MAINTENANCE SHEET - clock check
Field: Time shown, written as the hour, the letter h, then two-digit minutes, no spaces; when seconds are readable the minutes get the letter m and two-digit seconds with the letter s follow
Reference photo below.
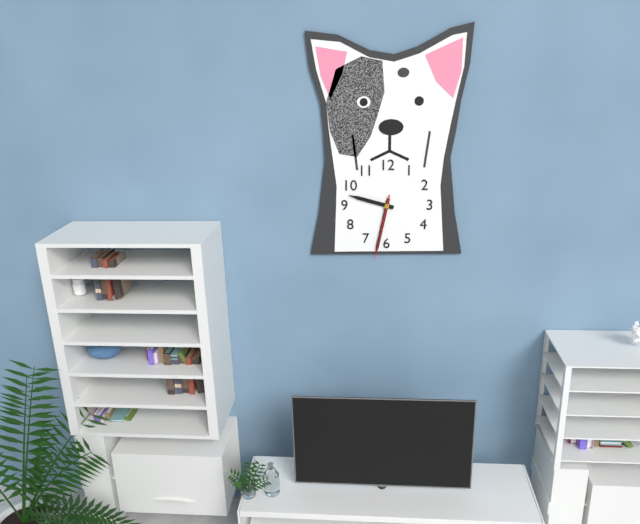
9h32m32s
